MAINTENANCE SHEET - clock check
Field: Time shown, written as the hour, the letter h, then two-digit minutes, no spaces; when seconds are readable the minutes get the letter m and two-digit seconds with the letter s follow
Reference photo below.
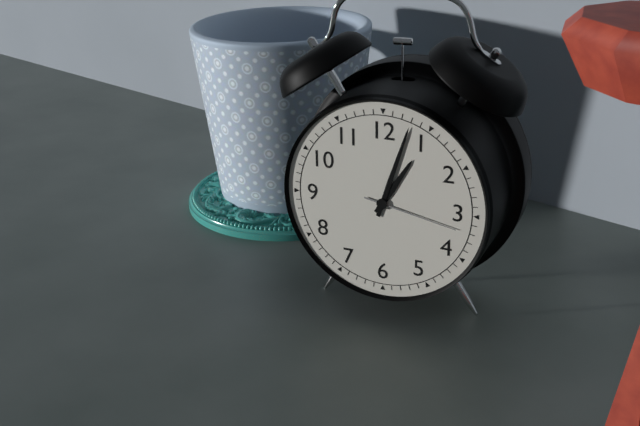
1h03m17s
